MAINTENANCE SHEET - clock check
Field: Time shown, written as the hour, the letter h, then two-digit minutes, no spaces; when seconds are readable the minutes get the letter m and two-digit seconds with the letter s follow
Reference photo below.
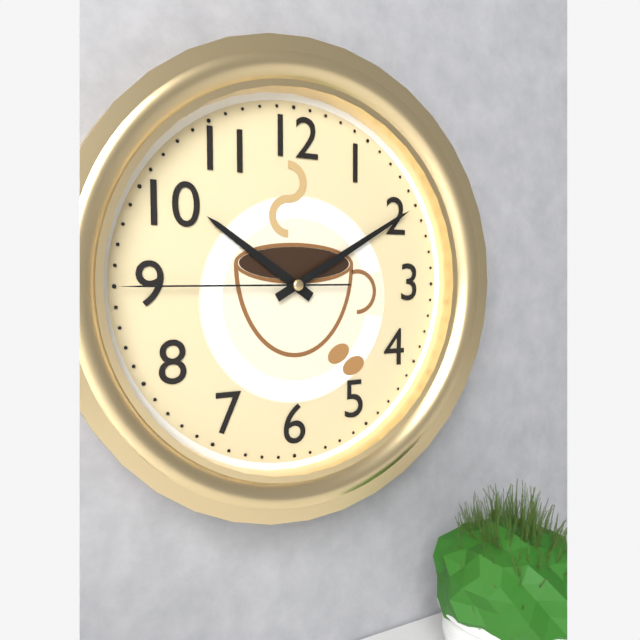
10h10m45s
